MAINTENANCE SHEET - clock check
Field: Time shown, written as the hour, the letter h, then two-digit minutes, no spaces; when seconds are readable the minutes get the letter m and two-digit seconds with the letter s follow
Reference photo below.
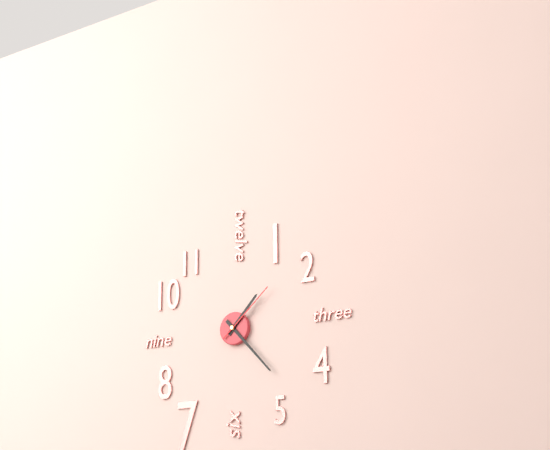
1h23m08s
